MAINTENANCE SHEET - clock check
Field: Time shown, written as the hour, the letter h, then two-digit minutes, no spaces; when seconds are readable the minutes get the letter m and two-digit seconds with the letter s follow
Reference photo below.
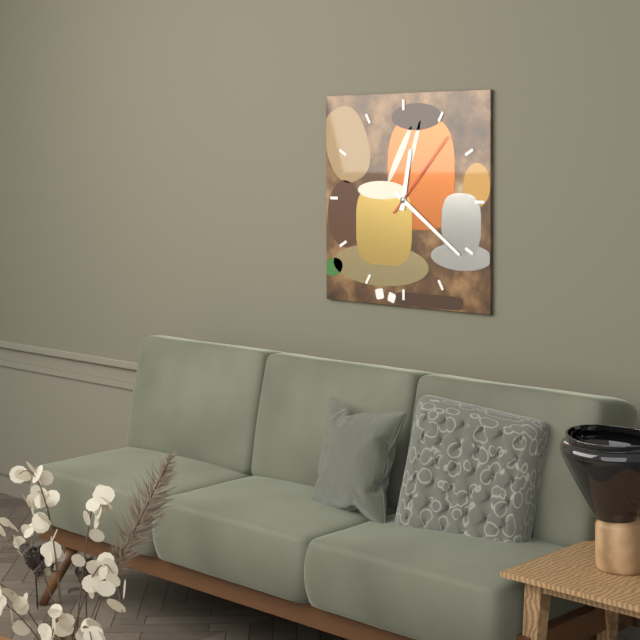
12h21m07s
